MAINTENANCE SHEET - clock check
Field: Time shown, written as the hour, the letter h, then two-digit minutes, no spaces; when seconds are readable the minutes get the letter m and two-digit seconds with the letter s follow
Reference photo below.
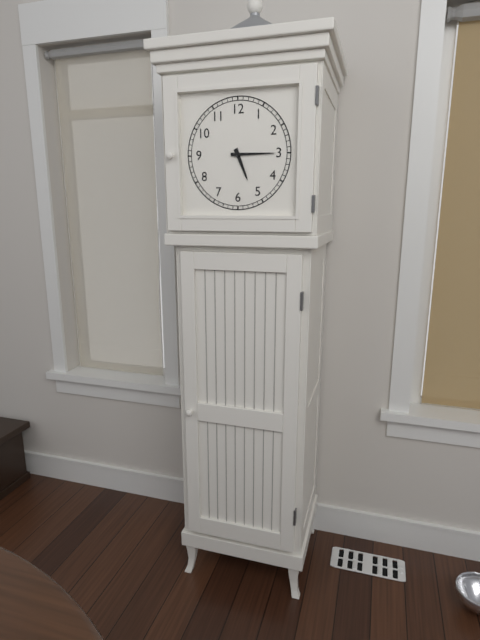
5h15
